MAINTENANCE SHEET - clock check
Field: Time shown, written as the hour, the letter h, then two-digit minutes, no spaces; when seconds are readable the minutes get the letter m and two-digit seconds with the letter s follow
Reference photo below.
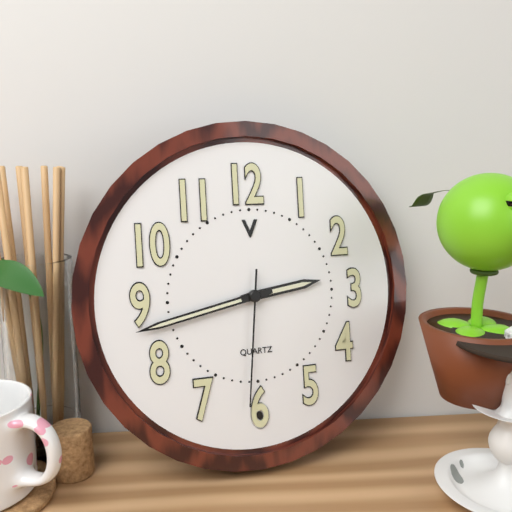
2h43m31s
